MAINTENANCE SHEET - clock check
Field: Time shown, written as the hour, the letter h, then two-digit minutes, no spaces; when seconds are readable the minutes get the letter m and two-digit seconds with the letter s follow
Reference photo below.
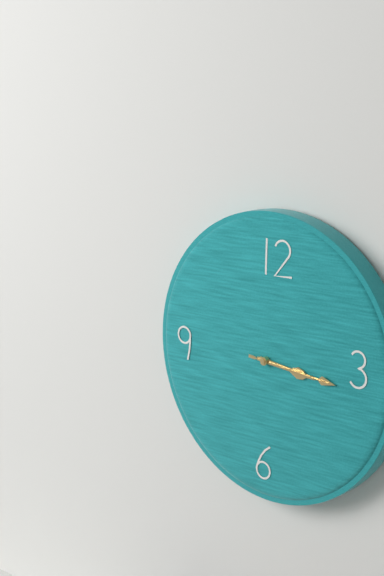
3h16m16s
